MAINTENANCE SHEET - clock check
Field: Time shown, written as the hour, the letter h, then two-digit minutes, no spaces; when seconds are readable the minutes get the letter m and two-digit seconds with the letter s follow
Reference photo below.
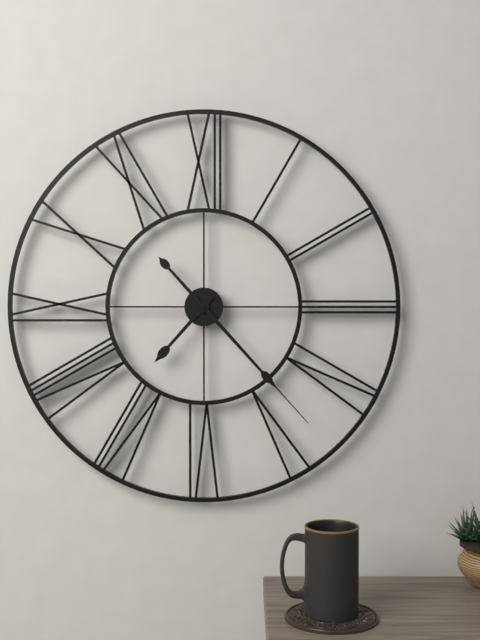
7h23
